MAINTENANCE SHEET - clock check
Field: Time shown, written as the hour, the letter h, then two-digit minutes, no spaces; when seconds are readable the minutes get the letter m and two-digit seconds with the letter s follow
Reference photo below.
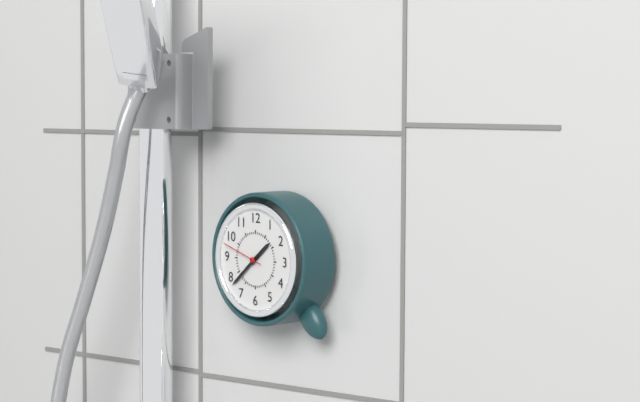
1h38
